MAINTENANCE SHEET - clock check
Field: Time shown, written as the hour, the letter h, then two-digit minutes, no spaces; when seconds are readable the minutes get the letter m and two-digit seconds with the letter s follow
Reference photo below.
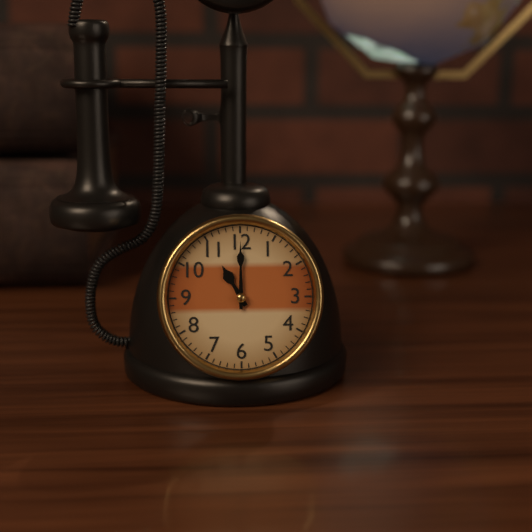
11h00
